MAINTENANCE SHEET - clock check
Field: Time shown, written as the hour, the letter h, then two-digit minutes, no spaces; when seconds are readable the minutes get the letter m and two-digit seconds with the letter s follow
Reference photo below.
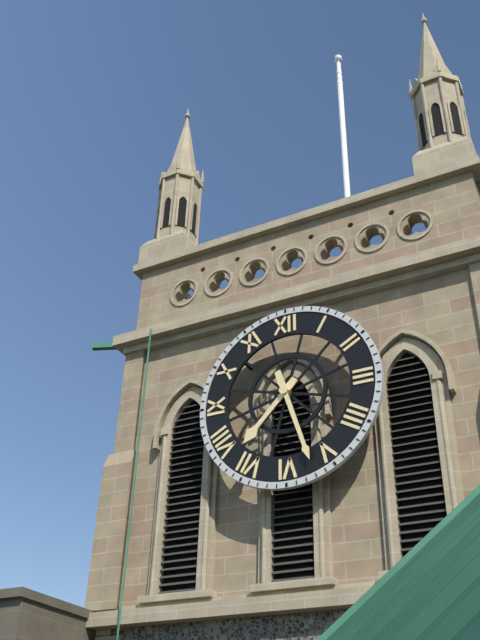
7h27
